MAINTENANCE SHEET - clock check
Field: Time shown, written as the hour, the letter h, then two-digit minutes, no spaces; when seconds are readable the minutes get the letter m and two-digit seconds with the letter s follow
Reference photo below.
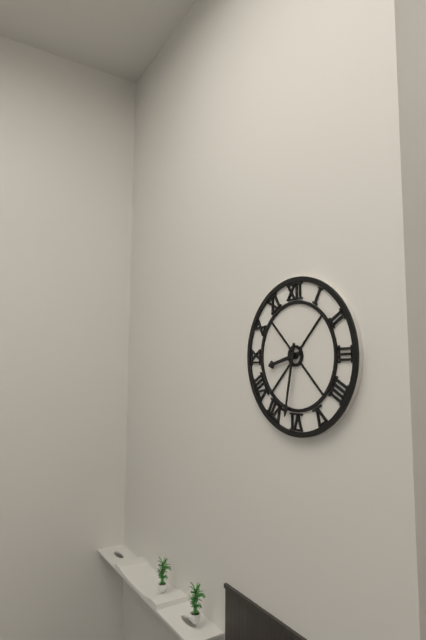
8h32
